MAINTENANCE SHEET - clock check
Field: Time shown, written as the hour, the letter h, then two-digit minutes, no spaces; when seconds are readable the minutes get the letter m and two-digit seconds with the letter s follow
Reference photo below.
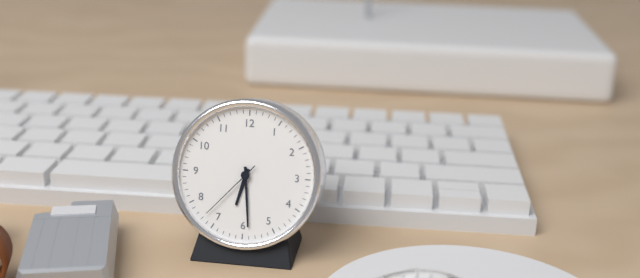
6h29m37s
